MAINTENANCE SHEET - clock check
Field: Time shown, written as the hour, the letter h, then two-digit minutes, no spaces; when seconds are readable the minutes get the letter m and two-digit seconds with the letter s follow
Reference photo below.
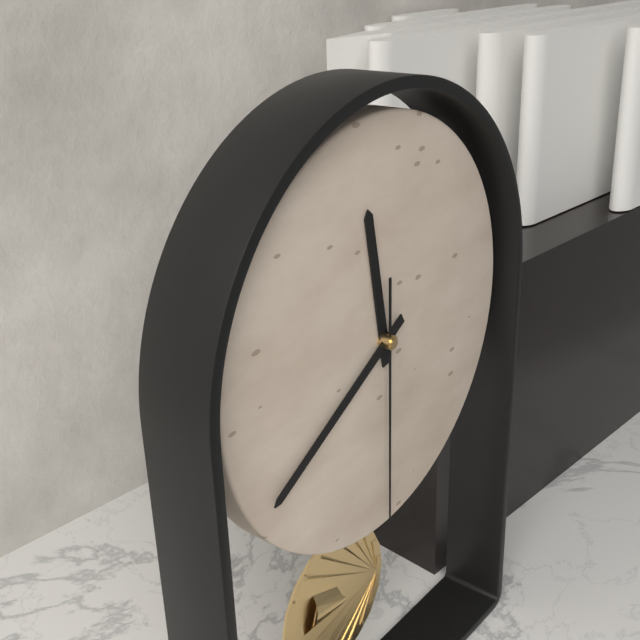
11h40m30s
